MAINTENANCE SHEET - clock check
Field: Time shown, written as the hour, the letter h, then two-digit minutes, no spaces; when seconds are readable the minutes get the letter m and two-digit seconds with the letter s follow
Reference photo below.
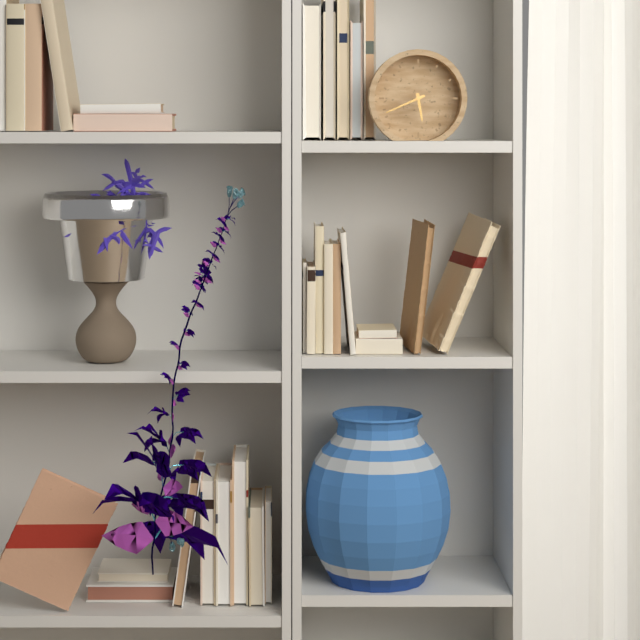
5h41
